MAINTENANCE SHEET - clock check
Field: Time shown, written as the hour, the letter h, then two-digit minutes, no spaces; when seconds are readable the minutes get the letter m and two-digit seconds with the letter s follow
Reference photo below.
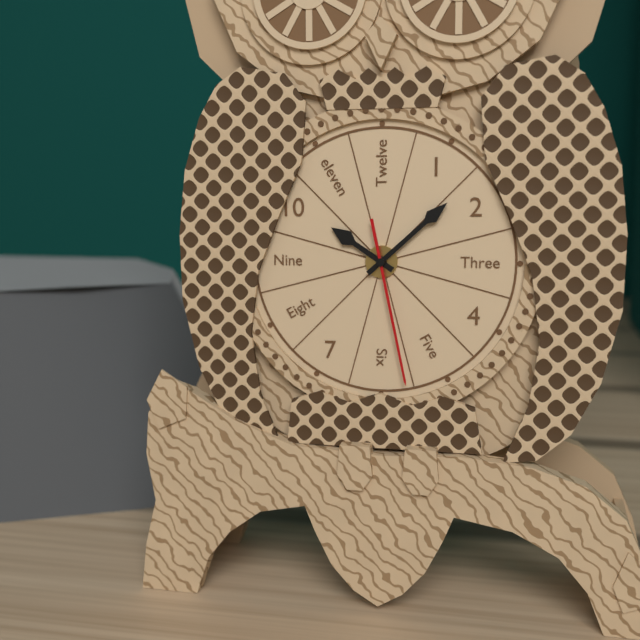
10h08m28s
